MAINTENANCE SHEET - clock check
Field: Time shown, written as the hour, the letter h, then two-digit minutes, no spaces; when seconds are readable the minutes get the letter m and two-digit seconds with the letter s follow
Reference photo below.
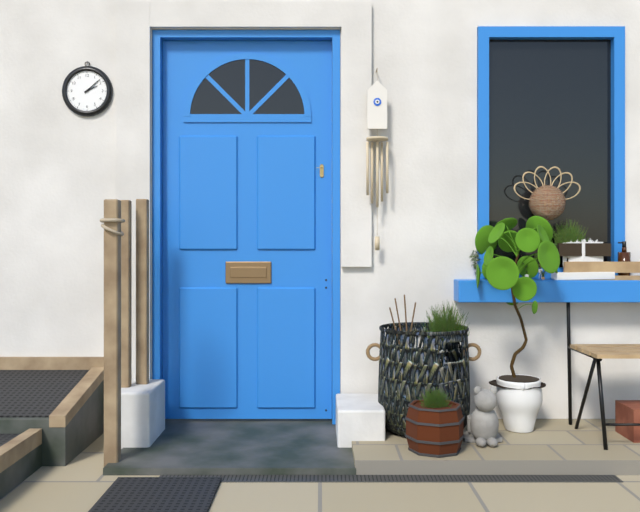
2h08
